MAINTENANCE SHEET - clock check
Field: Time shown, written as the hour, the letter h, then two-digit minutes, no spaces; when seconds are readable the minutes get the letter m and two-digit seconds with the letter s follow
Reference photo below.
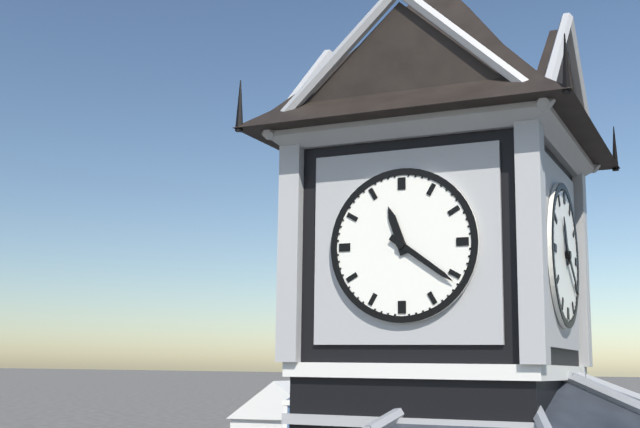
11h21
